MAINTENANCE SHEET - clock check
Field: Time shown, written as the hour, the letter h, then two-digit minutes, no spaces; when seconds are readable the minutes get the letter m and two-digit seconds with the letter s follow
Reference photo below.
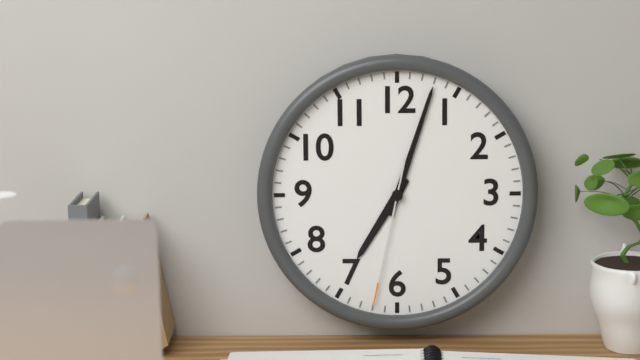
7h03m32s
